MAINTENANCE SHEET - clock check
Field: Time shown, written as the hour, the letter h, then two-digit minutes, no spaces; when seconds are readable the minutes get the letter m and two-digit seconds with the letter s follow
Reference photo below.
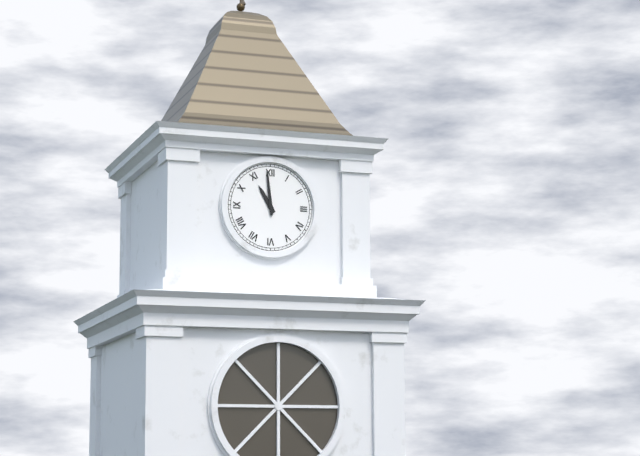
10h59
